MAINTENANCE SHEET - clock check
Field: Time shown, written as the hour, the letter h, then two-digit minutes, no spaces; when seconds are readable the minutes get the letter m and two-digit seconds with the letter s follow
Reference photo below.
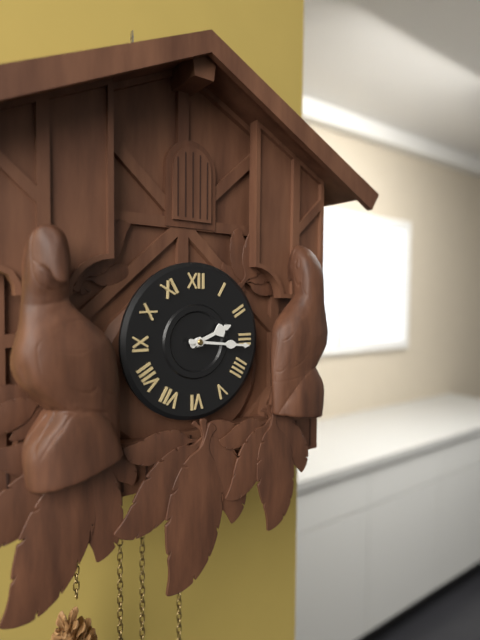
2h16
